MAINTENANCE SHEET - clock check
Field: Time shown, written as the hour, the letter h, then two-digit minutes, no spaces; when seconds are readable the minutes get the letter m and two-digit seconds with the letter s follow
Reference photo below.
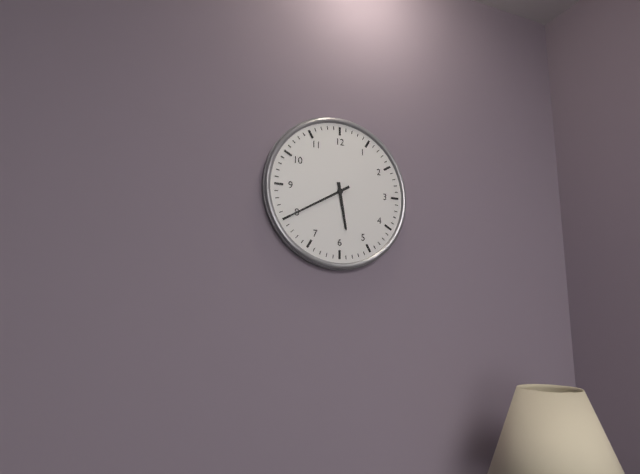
5h40
